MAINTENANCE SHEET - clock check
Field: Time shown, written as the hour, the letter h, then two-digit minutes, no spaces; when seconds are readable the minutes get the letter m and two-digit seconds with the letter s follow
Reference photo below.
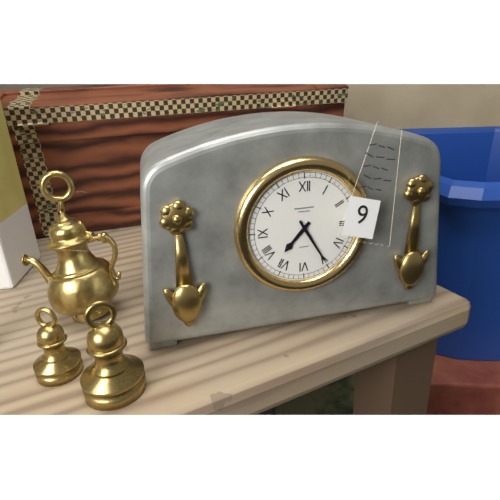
7h25
